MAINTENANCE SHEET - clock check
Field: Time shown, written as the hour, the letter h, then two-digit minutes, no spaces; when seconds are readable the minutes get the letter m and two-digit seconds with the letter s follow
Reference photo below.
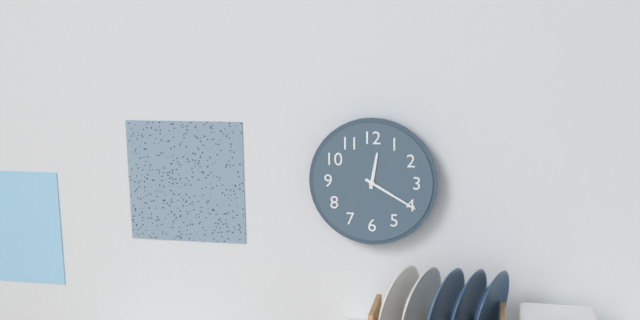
12h20
